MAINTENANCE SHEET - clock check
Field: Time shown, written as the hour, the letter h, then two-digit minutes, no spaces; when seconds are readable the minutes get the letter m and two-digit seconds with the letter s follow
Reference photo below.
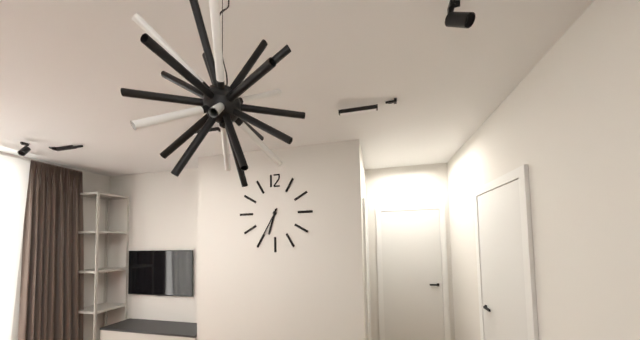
6h35
